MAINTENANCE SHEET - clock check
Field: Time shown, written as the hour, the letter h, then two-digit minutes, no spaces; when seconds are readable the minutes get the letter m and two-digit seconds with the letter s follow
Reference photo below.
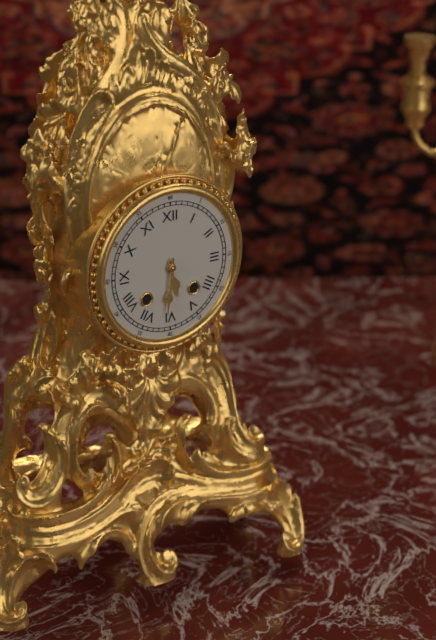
5h31
